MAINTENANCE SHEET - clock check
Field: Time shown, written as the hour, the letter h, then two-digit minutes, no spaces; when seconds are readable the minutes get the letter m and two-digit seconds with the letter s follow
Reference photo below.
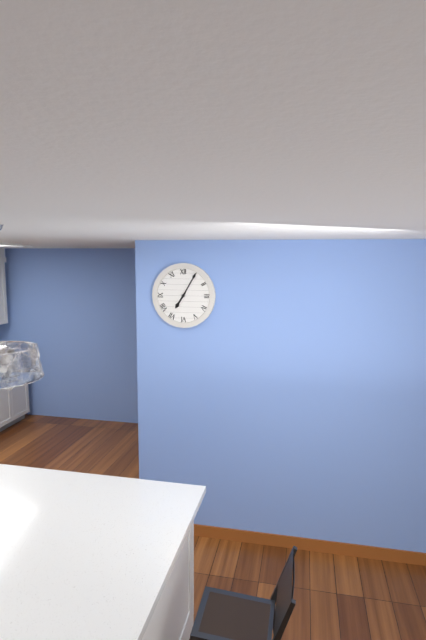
7h05
